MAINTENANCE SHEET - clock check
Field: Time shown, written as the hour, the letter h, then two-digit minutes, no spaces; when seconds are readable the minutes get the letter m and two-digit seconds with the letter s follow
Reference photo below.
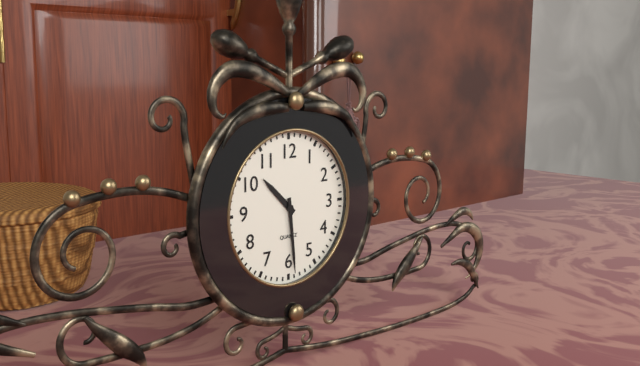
10h29
